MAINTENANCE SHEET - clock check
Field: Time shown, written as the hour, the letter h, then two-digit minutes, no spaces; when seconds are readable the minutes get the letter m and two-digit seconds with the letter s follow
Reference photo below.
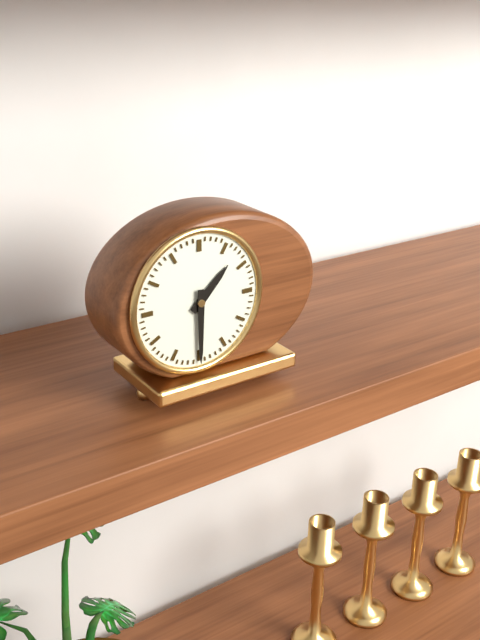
1h30
